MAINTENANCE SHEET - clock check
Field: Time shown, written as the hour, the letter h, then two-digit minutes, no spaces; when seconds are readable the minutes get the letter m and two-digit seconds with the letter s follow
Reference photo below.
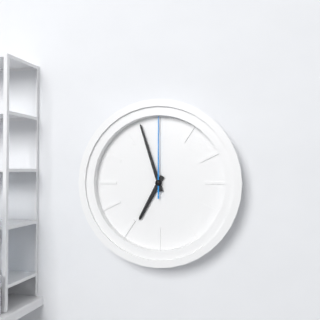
6h57m00s
